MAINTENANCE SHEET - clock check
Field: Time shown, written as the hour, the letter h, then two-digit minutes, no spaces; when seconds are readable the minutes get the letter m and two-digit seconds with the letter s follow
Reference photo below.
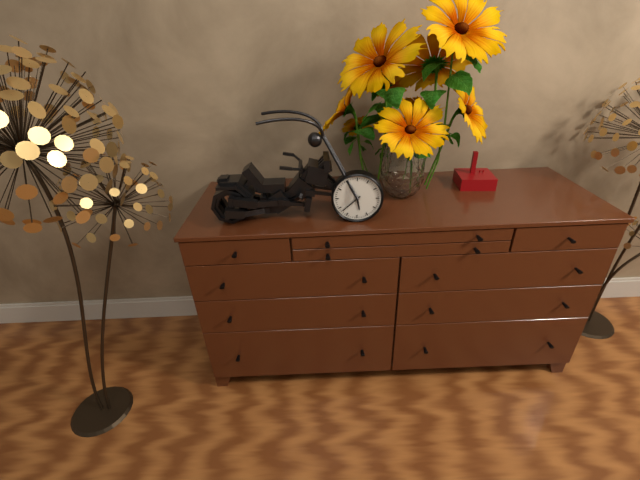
5h38
